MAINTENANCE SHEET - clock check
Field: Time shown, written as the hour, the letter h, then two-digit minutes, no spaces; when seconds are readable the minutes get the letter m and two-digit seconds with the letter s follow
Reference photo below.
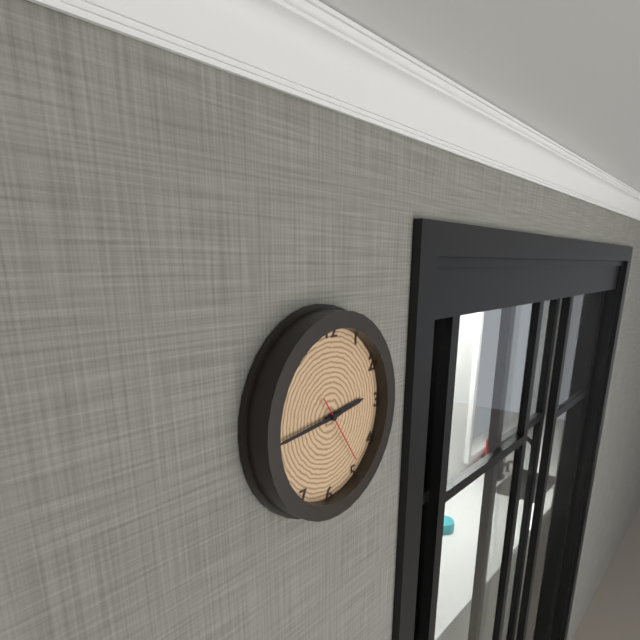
2h44m24s
